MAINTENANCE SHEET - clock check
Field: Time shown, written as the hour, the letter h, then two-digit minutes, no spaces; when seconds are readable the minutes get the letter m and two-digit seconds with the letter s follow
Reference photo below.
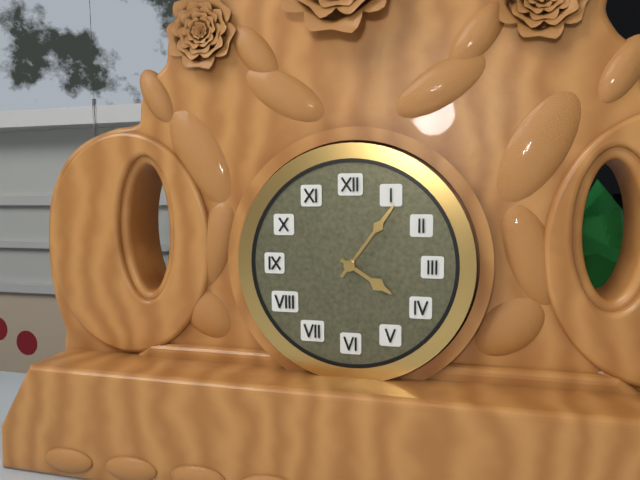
4h06
